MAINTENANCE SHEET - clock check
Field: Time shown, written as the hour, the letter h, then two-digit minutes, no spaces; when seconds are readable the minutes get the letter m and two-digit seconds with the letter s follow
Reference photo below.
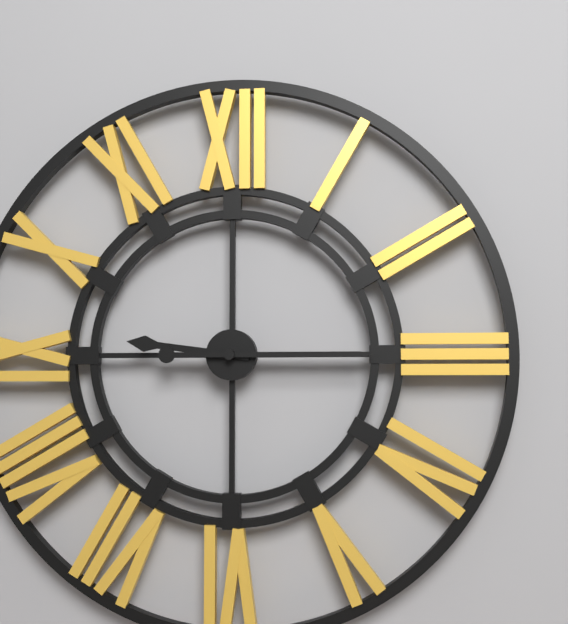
9h15
